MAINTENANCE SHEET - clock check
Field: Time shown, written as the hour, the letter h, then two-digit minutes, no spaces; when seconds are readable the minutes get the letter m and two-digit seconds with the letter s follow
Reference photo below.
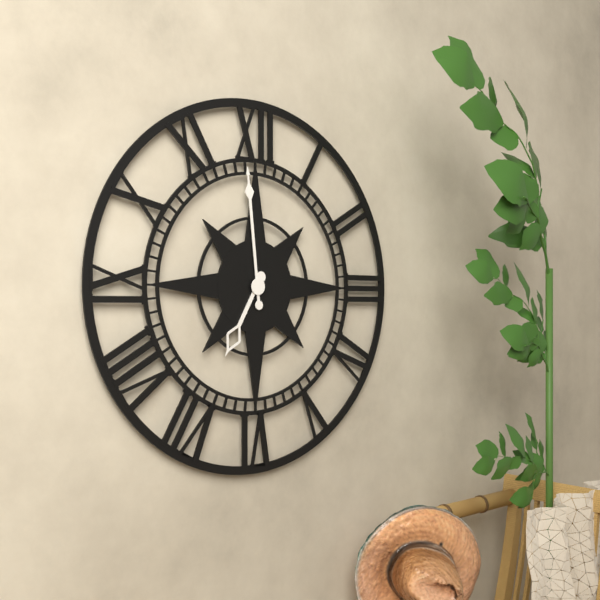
6h59
